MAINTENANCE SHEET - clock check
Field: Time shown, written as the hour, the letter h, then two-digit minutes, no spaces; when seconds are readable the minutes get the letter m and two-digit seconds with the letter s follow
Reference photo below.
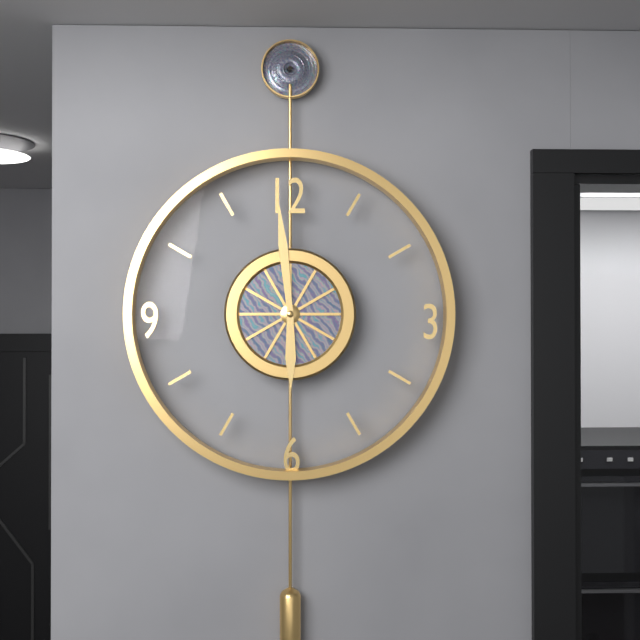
5h59
